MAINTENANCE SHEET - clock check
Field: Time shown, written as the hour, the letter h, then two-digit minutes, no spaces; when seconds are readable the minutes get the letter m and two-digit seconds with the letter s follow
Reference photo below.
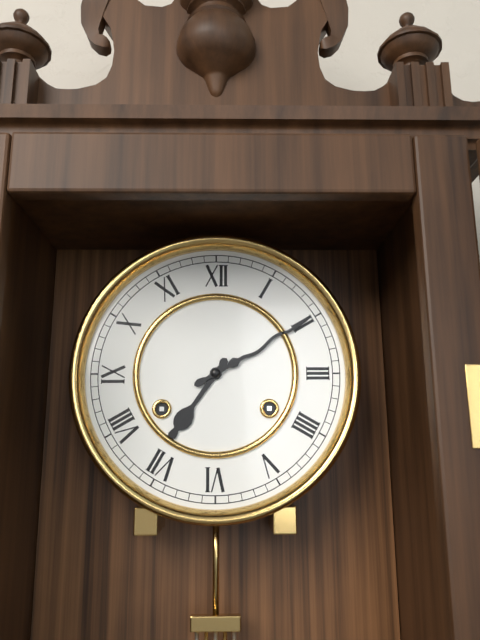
7h10
